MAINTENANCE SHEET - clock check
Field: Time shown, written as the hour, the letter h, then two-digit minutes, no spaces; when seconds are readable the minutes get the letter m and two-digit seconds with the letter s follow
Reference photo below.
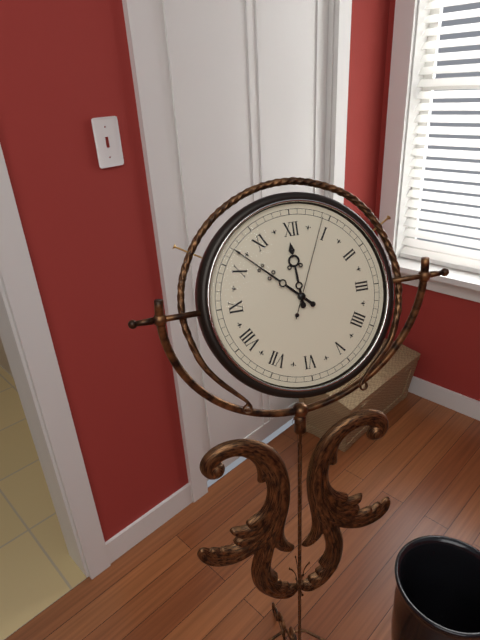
11h52m04s
